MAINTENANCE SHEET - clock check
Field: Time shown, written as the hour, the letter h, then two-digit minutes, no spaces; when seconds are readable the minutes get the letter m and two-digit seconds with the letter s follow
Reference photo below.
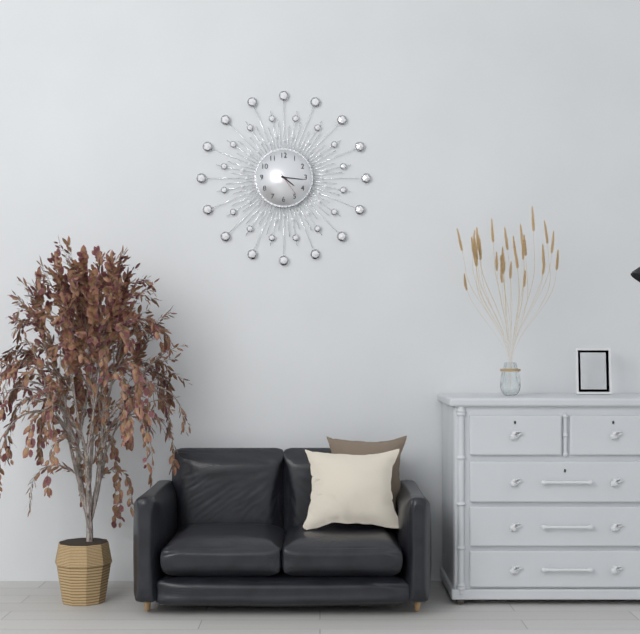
4h16
